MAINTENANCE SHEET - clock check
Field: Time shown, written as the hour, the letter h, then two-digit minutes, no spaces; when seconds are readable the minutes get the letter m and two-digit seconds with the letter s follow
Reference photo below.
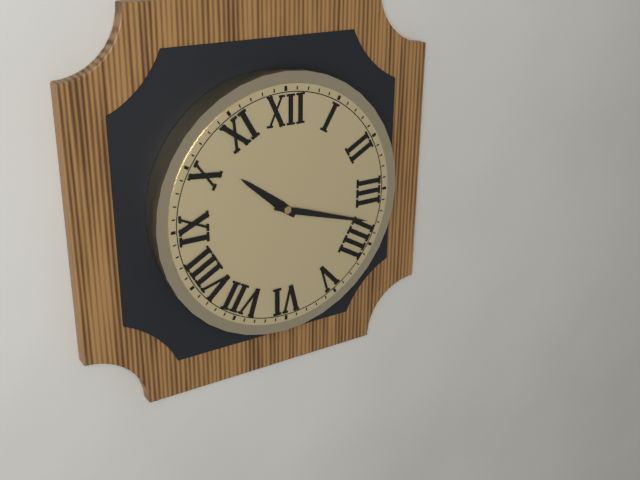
10h18
